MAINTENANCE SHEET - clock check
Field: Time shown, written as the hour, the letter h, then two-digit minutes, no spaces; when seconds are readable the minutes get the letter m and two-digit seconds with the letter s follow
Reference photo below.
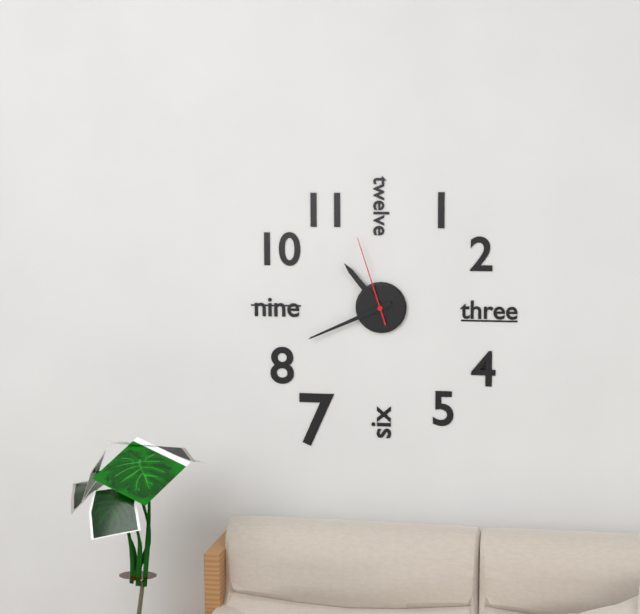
10h41m57s
